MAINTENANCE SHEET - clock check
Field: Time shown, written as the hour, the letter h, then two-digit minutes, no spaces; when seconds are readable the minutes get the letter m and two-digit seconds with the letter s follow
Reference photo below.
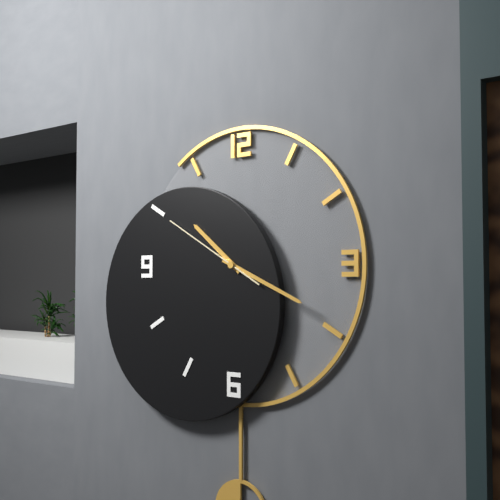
10h19m50s
